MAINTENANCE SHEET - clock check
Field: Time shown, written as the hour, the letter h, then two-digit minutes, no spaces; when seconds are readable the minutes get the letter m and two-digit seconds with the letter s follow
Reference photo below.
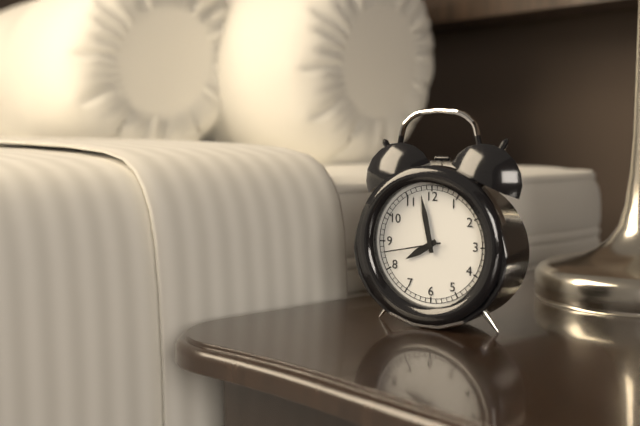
7h58m43s
